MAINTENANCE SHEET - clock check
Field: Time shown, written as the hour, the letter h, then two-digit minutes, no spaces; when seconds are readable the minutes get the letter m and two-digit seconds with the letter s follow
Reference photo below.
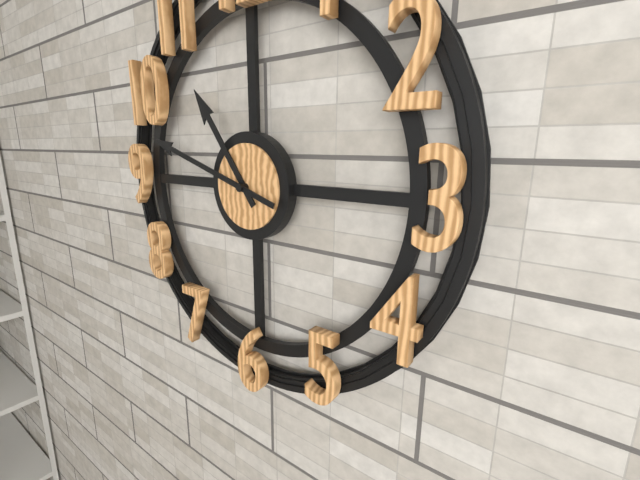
10h48
